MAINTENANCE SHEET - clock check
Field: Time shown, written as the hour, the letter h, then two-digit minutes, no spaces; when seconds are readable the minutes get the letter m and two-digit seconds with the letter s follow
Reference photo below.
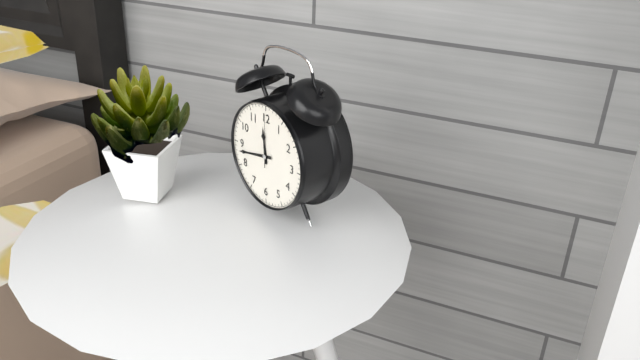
11h43m00s
